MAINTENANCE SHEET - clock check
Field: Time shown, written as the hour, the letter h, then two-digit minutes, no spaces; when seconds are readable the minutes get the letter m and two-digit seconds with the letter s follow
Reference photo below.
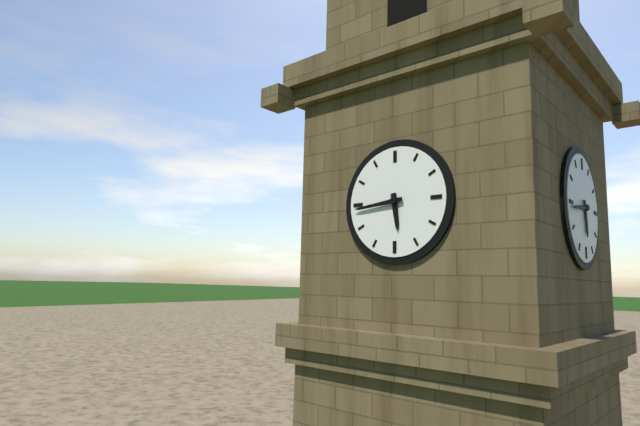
5h44
